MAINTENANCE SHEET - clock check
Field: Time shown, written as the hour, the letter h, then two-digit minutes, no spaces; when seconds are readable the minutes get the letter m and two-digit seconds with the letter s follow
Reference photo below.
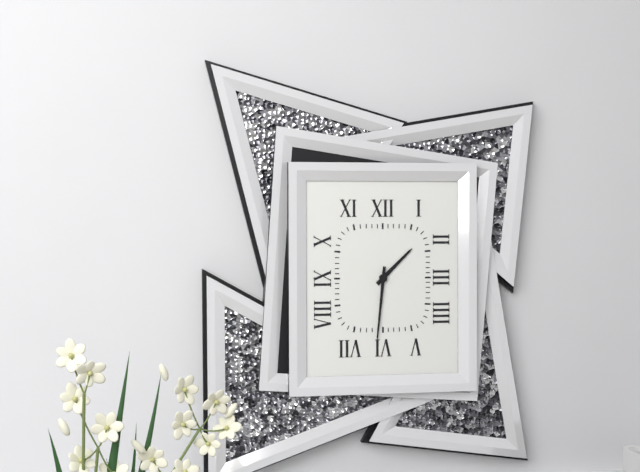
1h31
